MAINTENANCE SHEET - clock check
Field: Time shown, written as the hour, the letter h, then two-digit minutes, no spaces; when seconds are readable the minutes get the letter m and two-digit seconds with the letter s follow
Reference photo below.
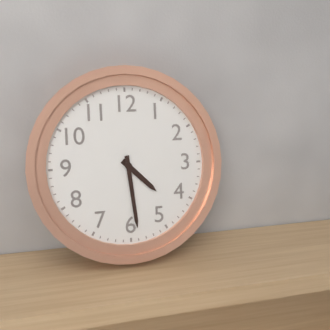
4h29
